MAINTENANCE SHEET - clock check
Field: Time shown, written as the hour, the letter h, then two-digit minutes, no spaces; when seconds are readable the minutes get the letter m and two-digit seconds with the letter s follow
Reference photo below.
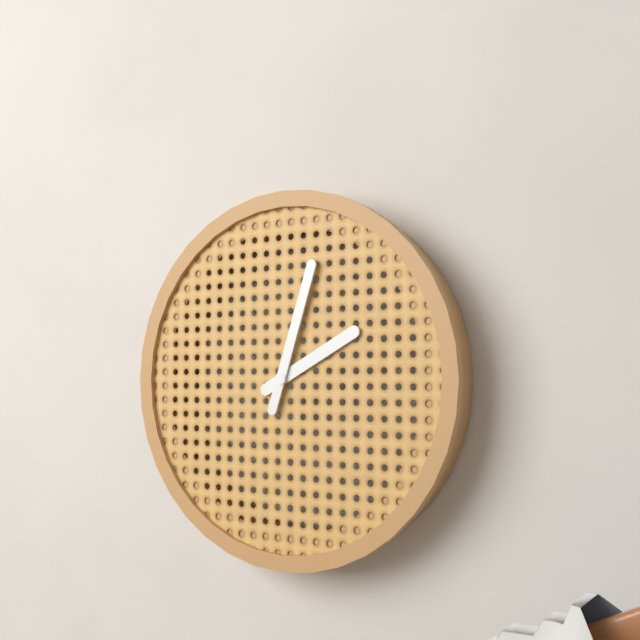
2h03
